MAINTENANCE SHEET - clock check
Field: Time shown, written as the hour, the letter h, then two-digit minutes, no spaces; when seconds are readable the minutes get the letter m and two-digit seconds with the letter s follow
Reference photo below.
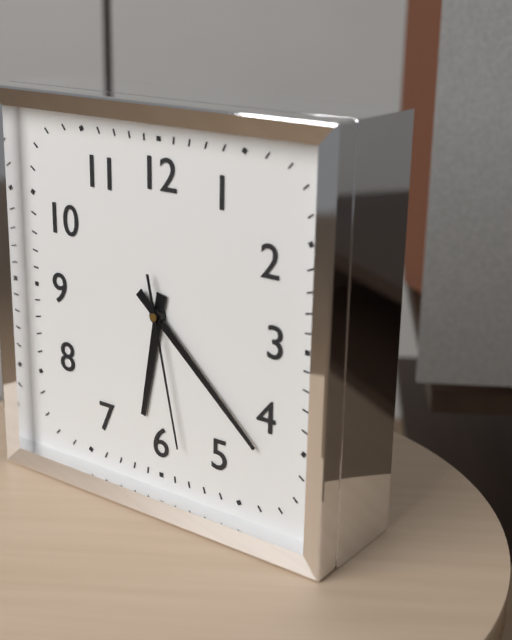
6h22m28s
